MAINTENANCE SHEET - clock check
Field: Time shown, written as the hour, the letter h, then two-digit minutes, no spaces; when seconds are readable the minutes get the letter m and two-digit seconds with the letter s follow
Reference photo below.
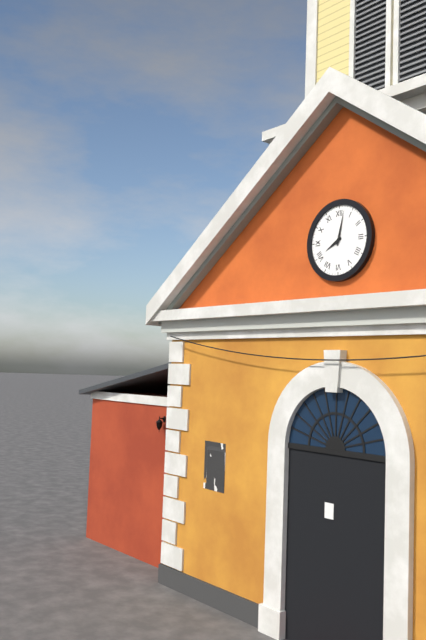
8h02
